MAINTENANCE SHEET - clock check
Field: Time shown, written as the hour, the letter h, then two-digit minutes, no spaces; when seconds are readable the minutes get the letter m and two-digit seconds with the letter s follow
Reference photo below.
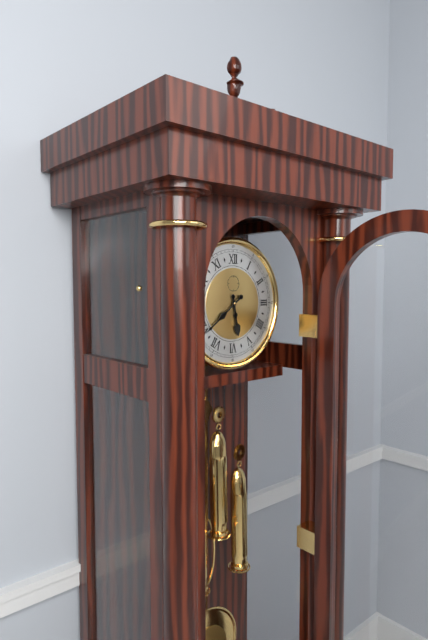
5h39
